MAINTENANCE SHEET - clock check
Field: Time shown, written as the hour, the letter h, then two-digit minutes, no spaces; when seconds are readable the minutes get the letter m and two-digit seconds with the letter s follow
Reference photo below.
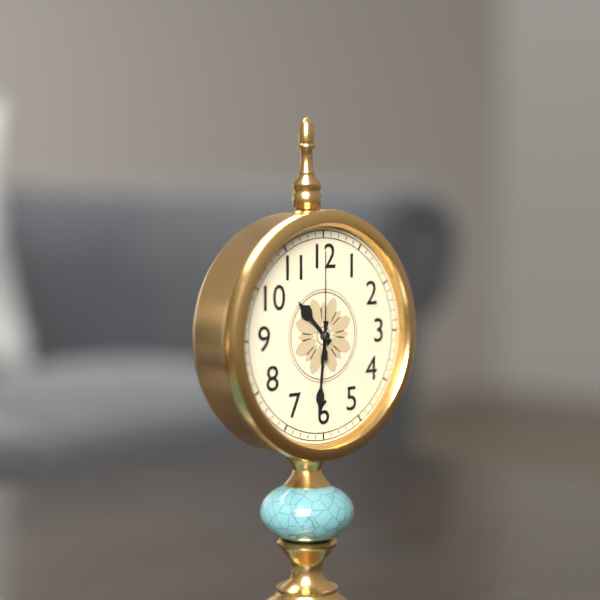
10h31m00s
